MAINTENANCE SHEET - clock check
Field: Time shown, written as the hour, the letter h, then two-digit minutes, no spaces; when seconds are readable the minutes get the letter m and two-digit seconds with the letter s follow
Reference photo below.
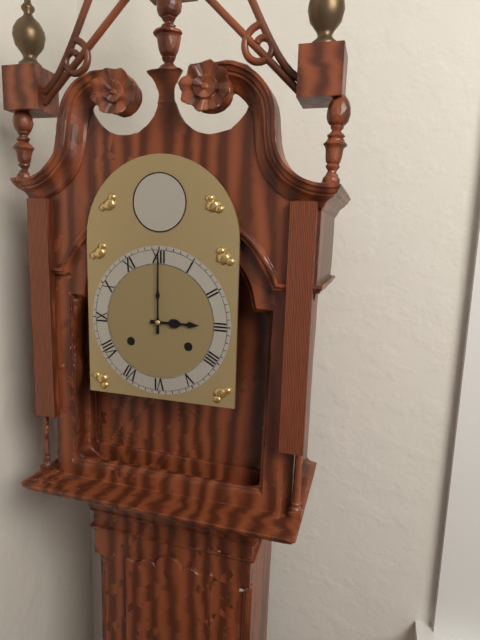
3h00
